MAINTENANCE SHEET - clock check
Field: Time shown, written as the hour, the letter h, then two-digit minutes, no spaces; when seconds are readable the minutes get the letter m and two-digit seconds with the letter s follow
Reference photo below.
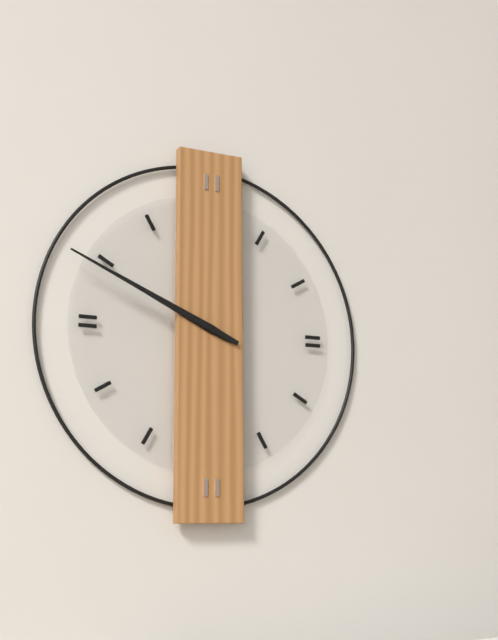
9h49
